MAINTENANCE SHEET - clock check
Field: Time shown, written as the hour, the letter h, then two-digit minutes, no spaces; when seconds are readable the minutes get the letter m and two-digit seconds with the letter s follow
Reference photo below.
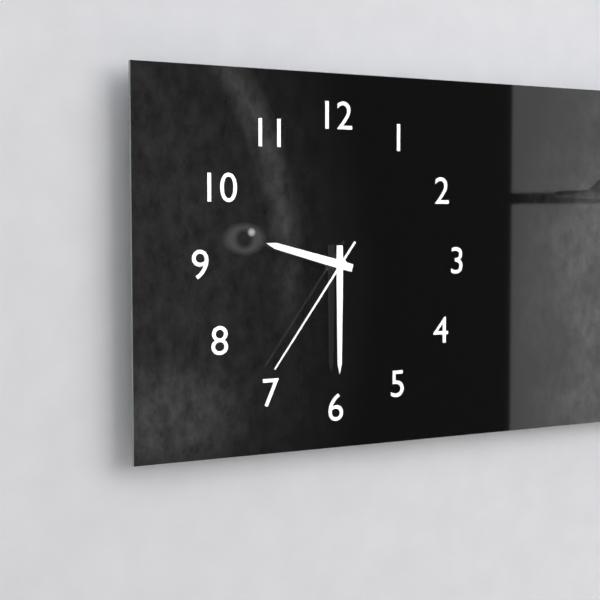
9h30m36s
